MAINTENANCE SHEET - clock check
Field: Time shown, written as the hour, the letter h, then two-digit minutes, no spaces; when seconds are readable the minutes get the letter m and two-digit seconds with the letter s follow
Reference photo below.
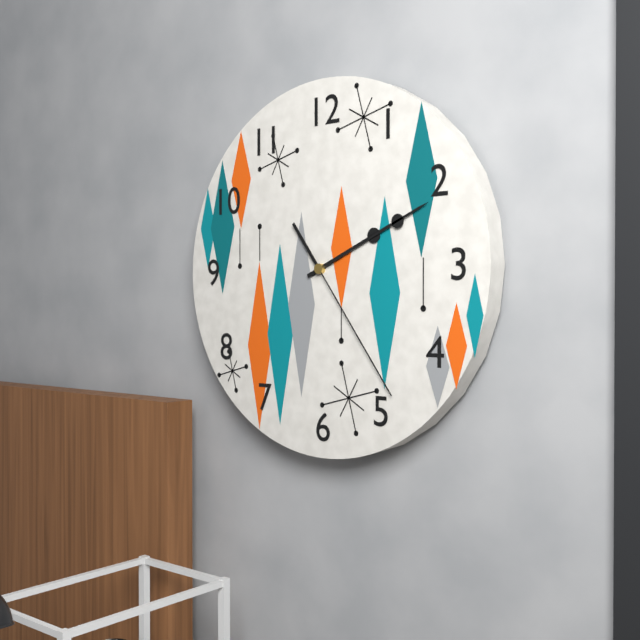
2h11m24s
